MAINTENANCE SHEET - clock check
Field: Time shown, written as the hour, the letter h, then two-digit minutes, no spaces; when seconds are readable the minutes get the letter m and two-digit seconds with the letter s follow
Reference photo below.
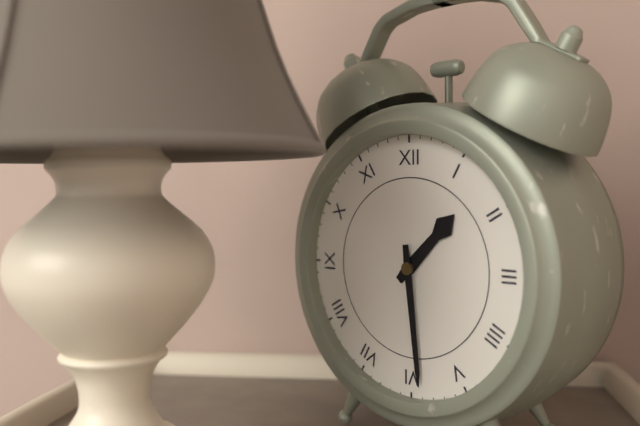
1h29
